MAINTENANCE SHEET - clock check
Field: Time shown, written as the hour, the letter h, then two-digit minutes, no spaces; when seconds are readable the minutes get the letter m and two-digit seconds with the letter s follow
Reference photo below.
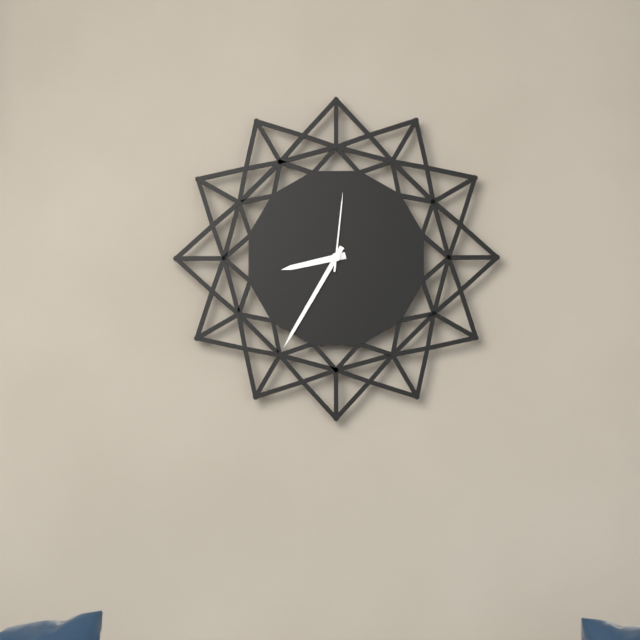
8h35m01s
